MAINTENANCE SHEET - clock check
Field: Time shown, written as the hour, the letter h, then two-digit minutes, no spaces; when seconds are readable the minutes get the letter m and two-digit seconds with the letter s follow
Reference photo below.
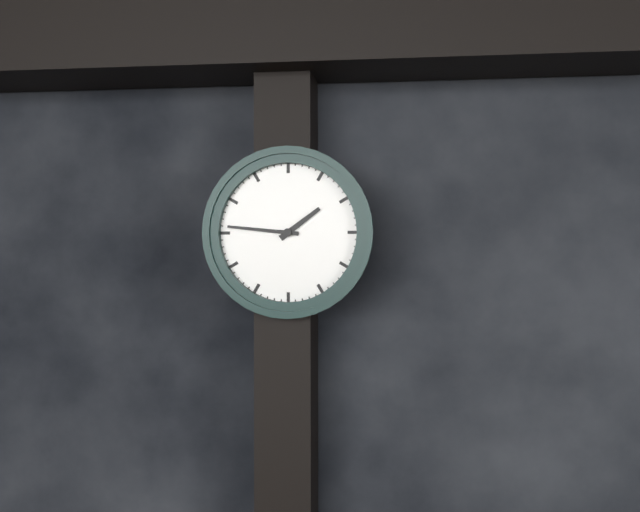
1h46
